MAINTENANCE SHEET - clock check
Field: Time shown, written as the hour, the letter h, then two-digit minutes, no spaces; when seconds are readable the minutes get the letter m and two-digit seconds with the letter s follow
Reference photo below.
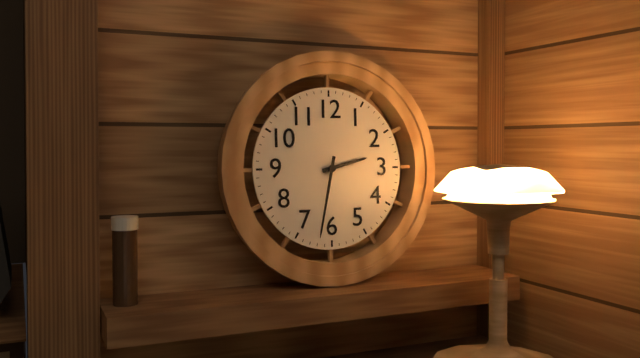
2h32
